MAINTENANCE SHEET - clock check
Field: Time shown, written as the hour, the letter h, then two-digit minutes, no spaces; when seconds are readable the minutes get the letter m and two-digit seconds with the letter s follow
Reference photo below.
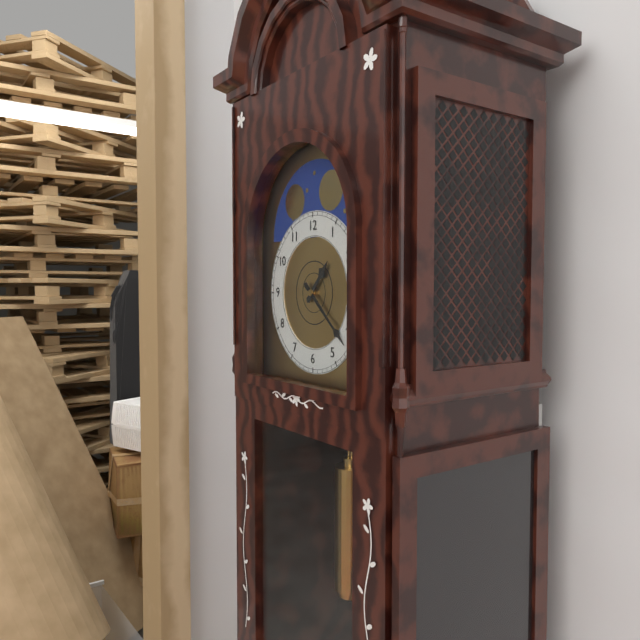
1h22
